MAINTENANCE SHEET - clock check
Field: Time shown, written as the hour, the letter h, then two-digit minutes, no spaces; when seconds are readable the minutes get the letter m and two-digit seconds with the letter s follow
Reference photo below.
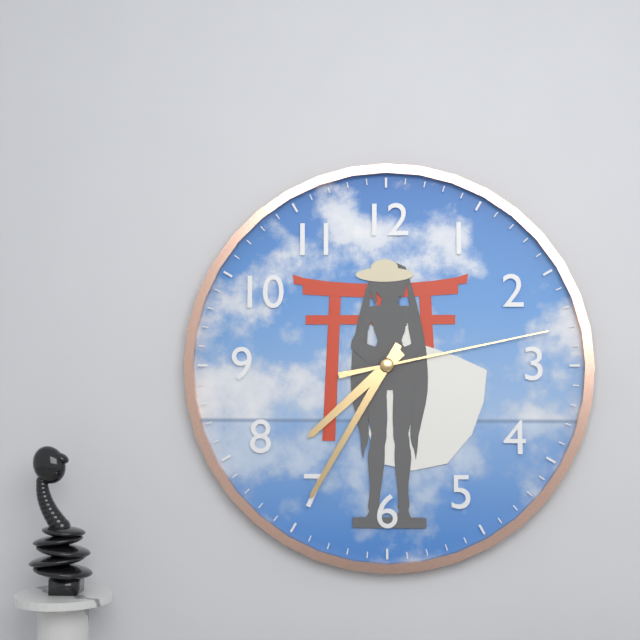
7h35m13s
